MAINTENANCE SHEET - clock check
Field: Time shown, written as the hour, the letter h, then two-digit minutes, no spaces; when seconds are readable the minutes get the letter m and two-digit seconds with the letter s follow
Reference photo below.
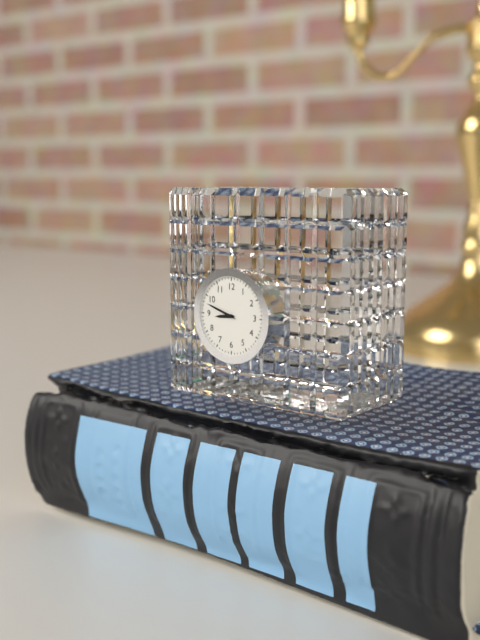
8h48
